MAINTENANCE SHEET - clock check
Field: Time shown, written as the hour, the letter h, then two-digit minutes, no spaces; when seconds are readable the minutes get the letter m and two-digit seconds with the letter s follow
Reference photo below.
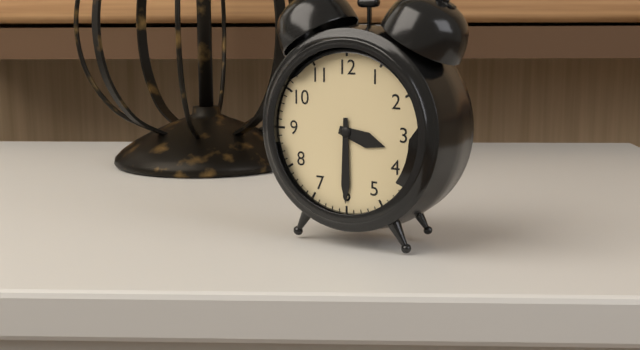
3h30
